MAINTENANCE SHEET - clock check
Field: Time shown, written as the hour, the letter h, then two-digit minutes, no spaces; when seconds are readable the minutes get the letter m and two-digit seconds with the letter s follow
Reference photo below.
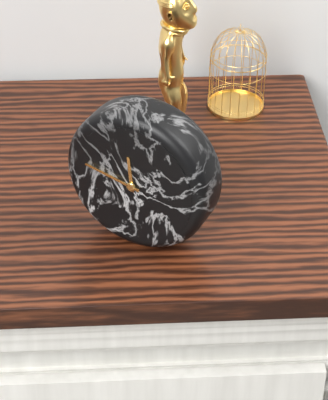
11h47
